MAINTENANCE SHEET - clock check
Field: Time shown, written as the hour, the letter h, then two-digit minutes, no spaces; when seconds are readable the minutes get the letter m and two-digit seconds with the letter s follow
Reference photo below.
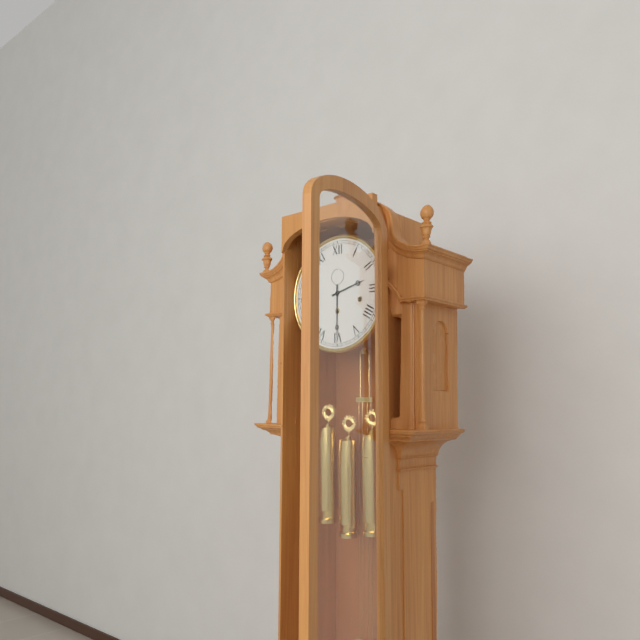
2h30
